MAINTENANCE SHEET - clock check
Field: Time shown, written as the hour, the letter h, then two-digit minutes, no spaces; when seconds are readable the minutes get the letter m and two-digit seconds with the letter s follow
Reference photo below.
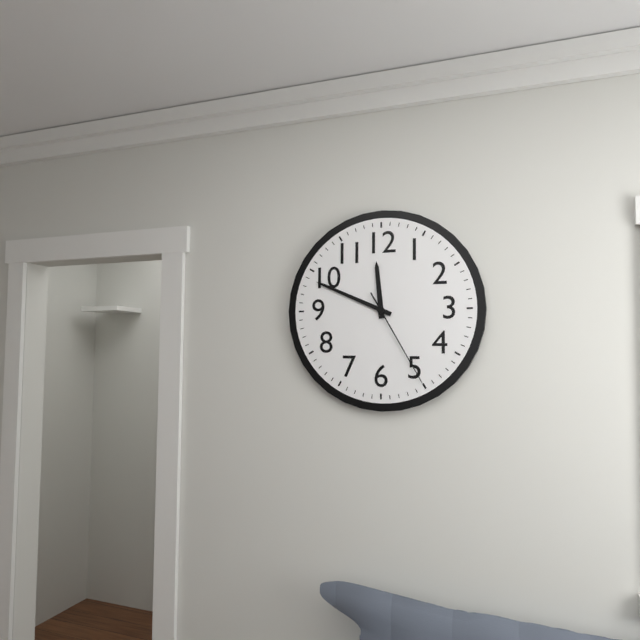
11h49m25s
